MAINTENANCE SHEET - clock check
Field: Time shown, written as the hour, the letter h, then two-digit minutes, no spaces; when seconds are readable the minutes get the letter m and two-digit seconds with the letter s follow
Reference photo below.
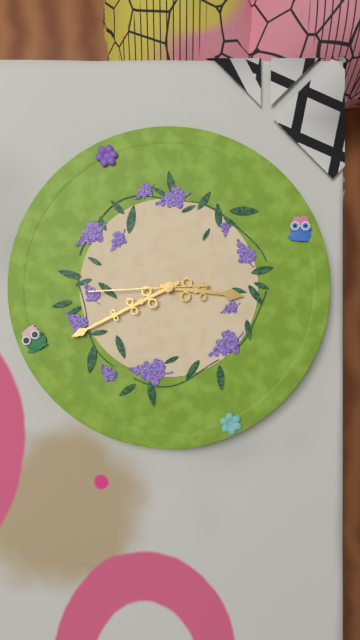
3h43m47s
